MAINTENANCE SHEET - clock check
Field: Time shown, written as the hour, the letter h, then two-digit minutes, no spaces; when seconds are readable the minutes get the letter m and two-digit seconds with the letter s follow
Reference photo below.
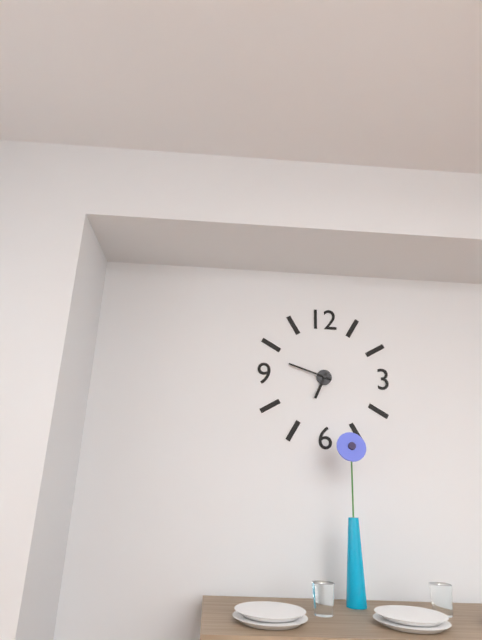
6h48
